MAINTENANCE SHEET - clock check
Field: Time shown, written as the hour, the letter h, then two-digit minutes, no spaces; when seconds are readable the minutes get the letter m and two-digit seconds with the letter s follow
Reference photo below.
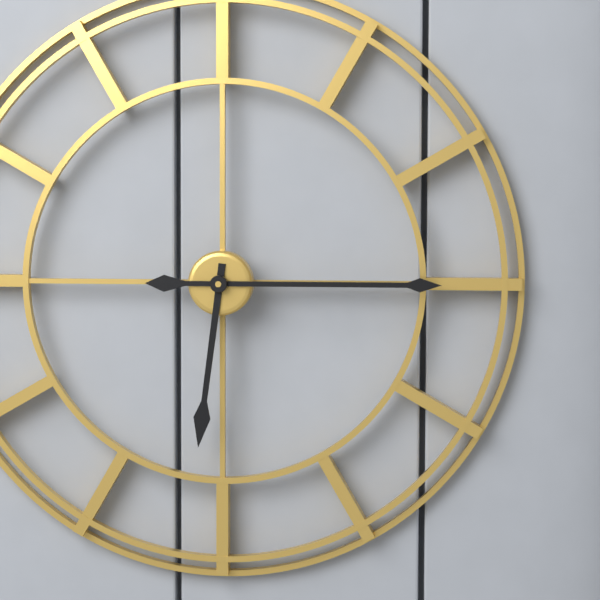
6h15
